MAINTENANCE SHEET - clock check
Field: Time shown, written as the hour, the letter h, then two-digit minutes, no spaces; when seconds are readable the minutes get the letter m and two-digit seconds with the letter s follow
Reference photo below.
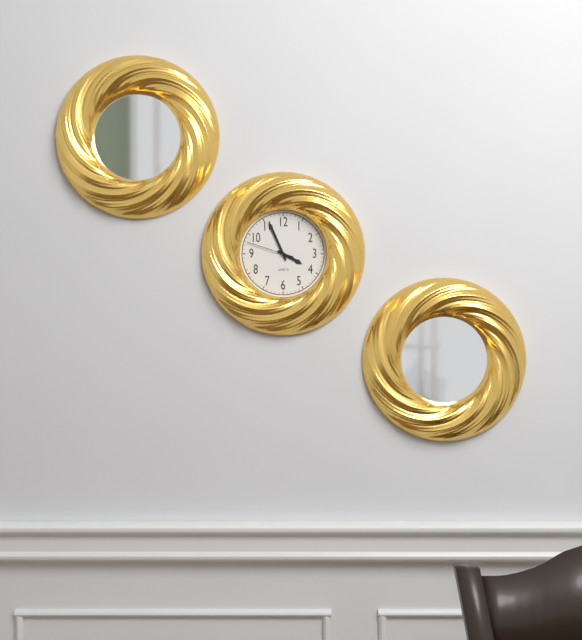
3h56
